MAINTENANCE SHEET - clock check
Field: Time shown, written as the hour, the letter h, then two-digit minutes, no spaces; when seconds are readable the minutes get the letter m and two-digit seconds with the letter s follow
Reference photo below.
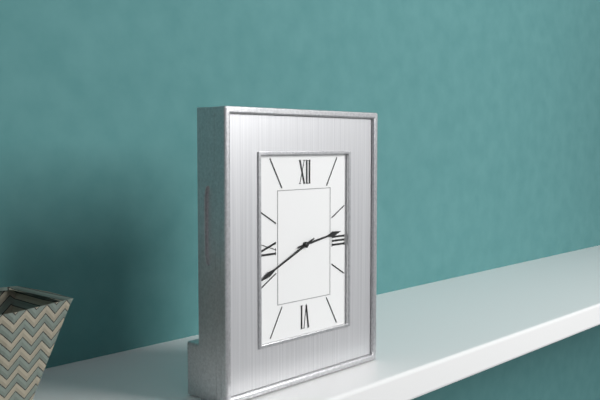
2h41
